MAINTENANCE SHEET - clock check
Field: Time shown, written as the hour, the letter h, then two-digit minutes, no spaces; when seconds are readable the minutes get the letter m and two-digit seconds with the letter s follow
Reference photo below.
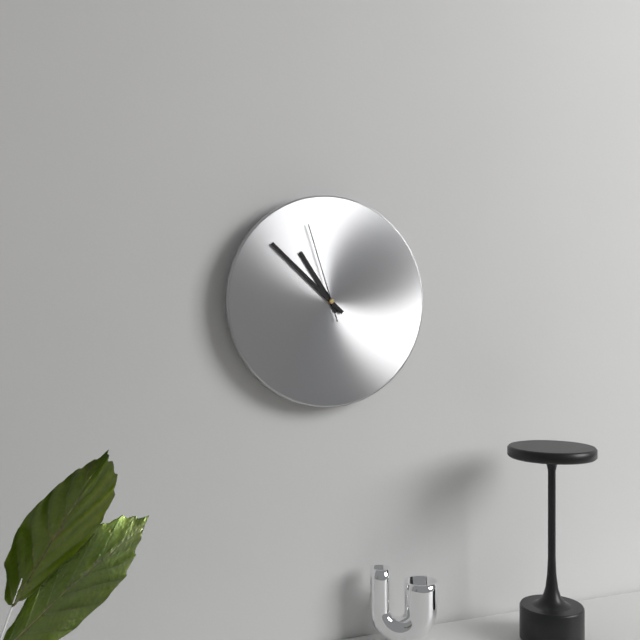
10h52m57s
